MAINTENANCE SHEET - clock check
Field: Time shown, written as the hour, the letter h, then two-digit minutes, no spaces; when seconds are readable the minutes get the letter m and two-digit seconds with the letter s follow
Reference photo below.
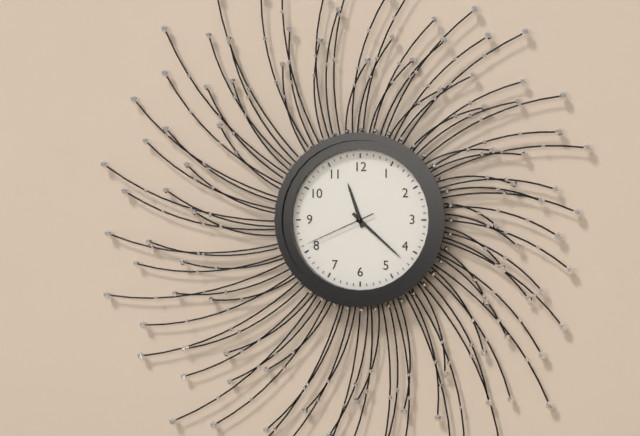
11h22m41s
